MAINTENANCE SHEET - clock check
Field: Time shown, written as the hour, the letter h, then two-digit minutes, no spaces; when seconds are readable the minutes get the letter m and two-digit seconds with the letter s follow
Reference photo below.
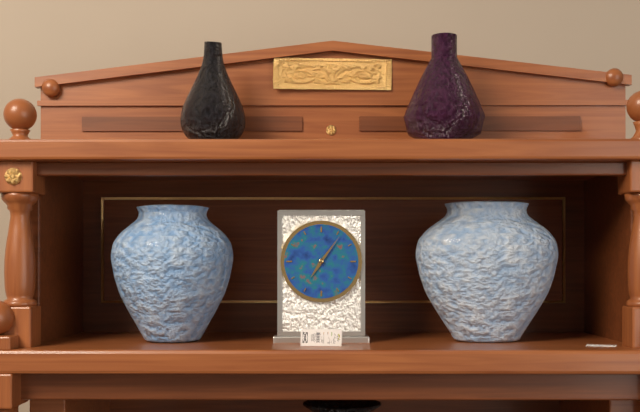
7h06
